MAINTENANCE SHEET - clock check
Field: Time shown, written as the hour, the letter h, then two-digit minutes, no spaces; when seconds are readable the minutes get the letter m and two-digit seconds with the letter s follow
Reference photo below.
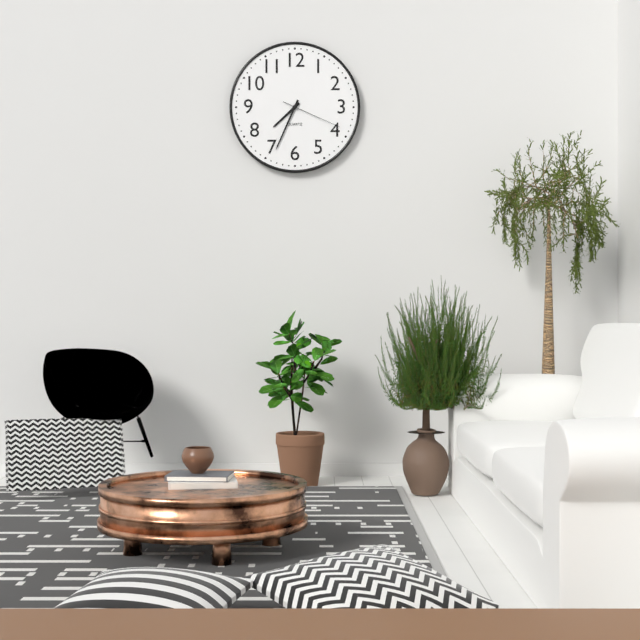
7h34m19s
